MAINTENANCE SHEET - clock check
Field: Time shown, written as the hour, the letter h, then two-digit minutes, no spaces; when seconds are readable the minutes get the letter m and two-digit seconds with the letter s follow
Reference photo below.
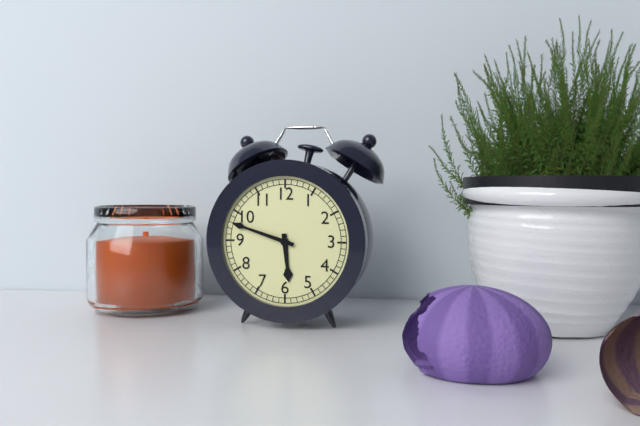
5h48
